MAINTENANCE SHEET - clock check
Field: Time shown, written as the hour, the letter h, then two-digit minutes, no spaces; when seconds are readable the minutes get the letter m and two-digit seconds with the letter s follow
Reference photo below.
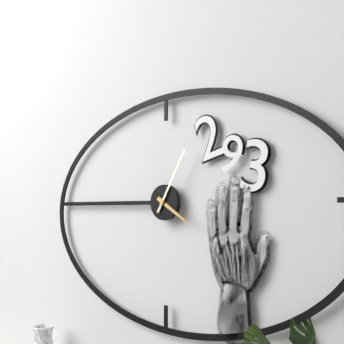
4h05
